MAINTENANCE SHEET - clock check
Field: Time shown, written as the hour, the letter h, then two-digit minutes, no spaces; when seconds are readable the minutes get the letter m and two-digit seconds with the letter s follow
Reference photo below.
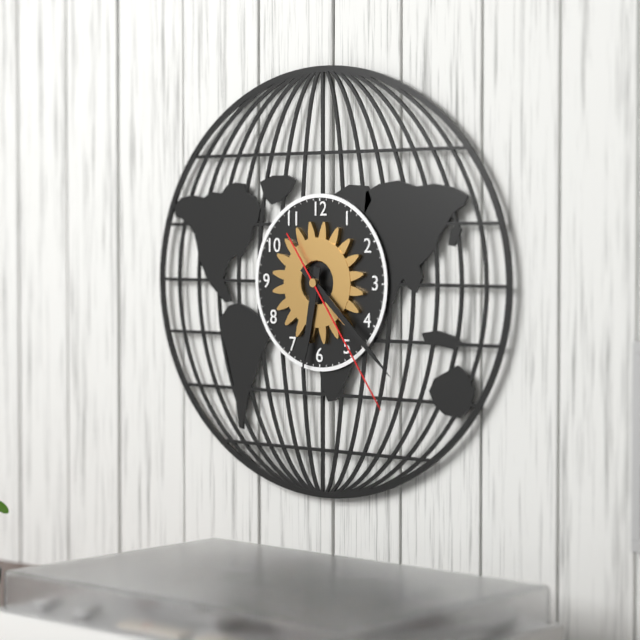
6h22m24s
